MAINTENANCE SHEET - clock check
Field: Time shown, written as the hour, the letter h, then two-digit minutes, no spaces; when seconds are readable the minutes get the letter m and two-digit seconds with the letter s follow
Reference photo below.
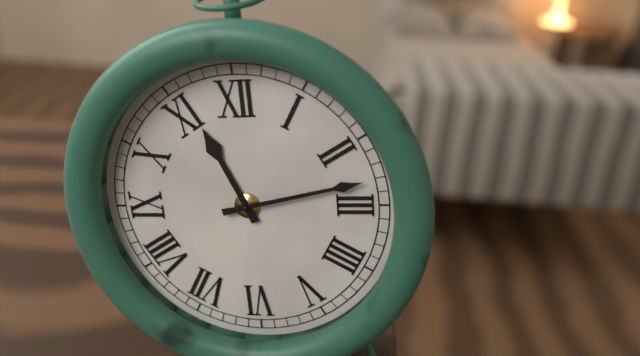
11h13
